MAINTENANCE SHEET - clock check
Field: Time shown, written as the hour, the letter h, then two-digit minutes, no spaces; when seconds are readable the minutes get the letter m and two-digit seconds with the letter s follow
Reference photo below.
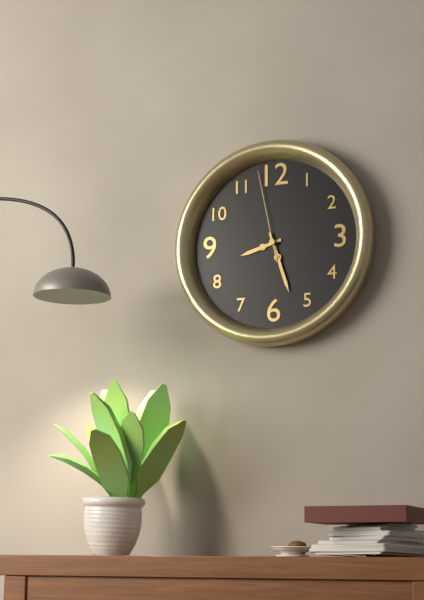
8h27m58s
